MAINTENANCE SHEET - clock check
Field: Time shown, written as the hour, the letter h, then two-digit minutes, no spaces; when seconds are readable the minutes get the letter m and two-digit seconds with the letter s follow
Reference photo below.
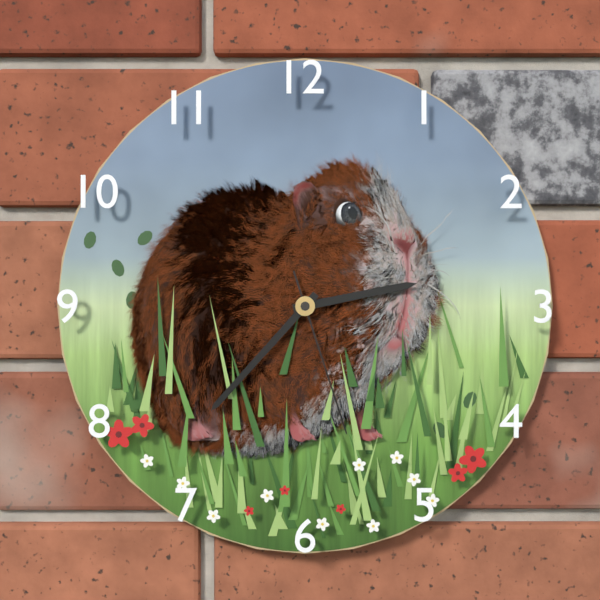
2h37m27s
